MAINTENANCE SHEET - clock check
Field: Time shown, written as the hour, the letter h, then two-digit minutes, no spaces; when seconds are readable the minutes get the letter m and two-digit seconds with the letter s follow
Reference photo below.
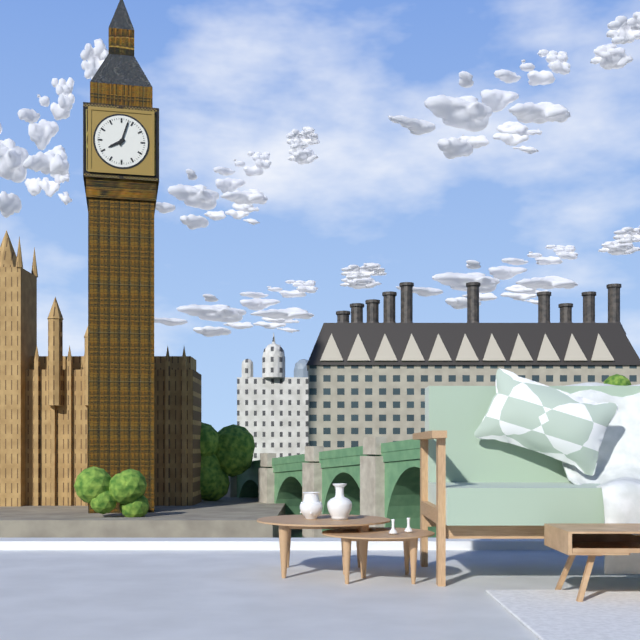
8h03
